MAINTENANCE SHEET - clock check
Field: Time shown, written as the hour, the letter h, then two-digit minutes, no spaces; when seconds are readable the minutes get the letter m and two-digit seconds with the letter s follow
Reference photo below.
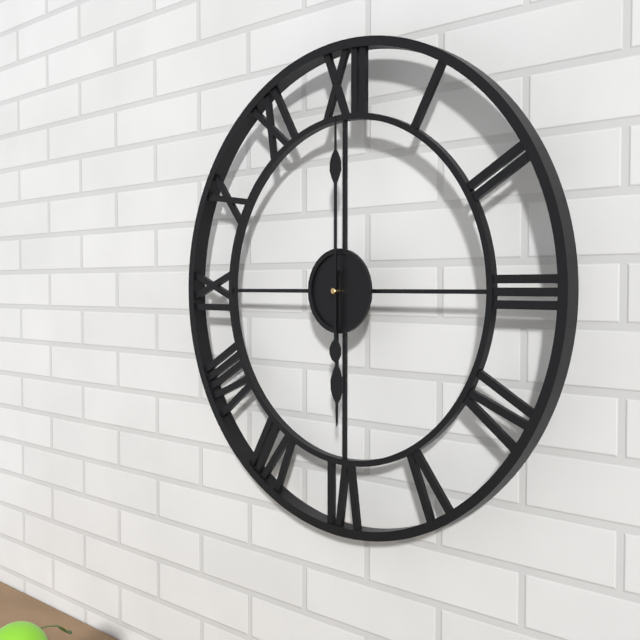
6h00
